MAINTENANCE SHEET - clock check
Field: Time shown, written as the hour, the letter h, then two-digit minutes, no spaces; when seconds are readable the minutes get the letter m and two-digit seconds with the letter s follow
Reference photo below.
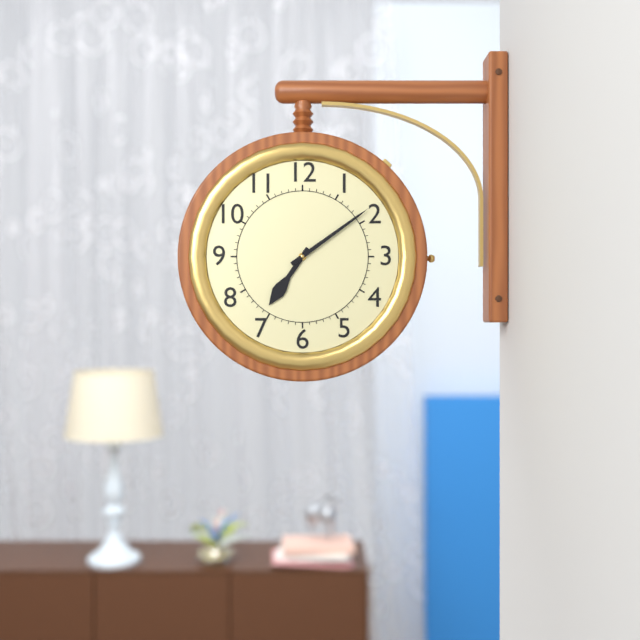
7h09
